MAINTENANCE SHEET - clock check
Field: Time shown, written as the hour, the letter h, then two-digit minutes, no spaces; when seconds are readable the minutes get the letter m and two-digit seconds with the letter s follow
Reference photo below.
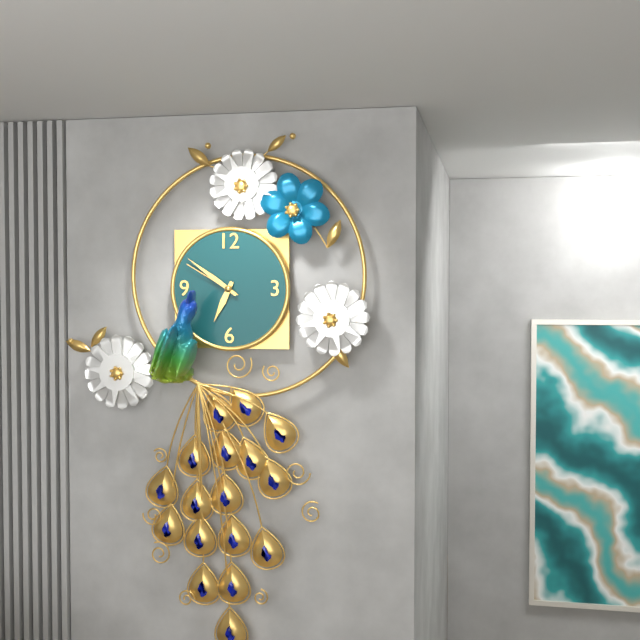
6h51m50s
